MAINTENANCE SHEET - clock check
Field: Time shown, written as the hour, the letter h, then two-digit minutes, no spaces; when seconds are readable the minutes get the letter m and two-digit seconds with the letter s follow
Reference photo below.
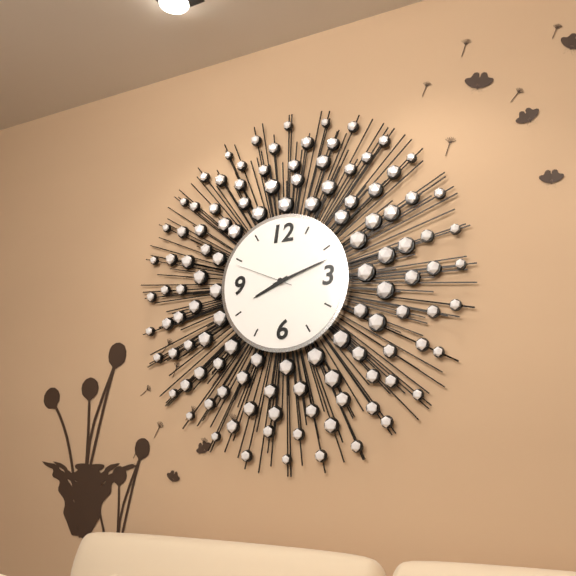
8h12m49s
